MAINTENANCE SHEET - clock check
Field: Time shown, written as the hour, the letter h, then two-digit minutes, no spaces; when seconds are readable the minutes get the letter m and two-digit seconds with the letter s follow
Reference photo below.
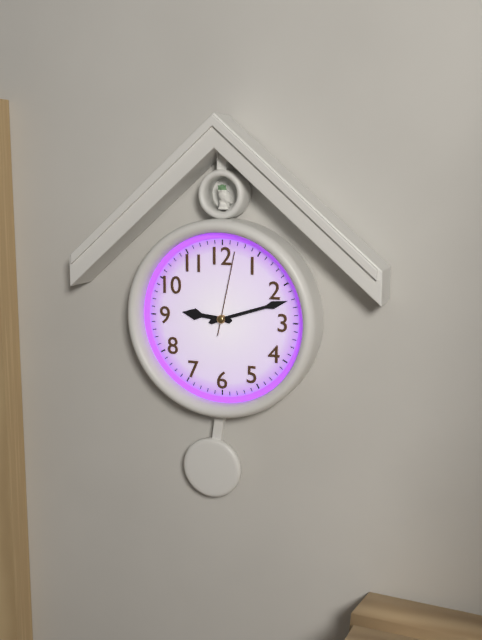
9h12m02s
